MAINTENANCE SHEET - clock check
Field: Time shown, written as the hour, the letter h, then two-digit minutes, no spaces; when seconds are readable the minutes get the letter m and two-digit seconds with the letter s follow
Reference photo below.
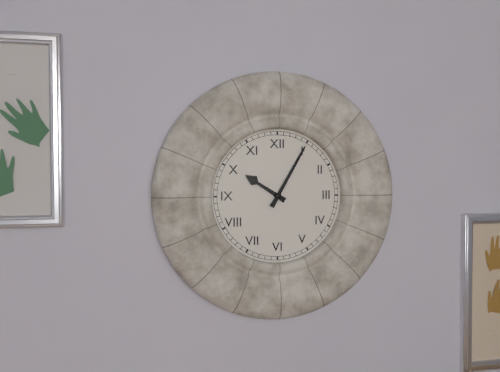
10h05
